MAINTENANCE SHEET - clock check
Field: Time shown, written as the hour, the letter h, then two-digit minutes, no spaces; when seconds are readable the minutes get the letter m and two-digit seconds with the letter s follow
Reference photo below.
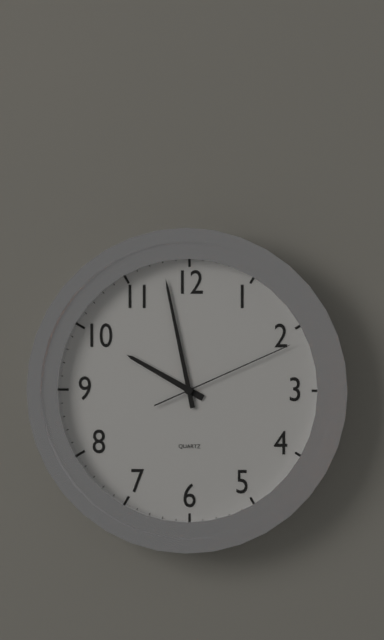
9h58m11s
